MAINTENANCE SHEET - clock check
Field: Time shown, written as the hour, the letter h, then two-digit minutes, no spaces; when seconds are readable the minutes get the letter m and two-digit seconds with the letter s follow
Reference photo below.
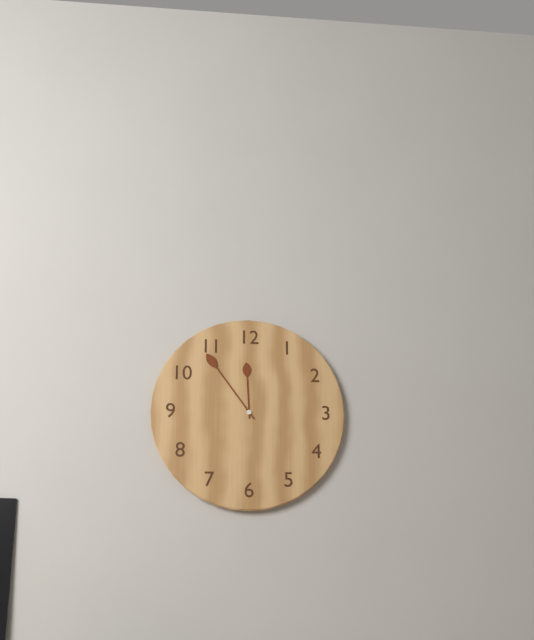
11h54
